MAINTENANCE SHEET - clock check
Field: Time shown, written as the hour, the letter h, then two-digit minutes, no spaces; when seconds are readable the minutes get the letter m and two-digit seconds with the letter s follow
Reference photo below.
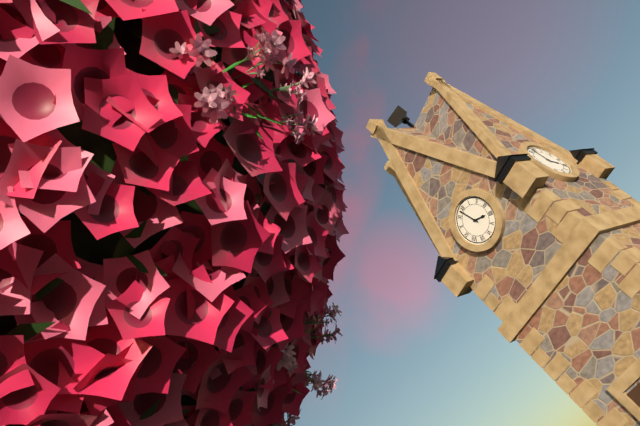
3h58
